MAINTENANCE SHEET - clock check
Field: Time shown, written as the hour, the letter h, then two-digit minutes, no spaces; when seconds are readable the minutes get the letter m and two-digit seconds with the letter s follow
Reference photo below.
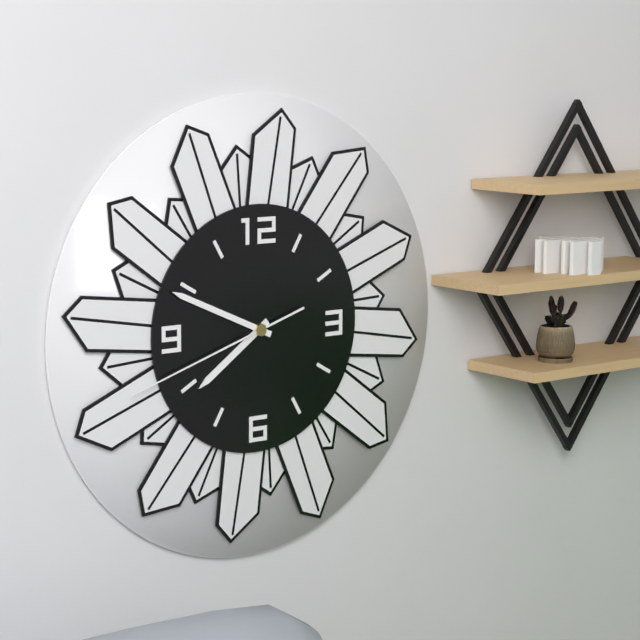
7h49m42s
